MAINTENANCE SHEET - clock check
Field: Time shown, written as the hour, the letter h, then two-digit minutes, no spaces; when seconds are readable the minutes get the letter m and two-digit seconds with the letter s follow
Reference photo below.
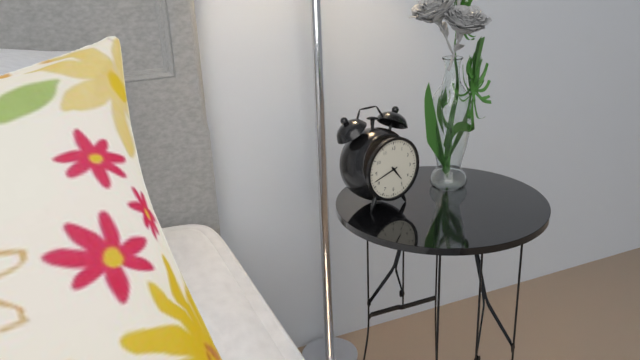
4h42
